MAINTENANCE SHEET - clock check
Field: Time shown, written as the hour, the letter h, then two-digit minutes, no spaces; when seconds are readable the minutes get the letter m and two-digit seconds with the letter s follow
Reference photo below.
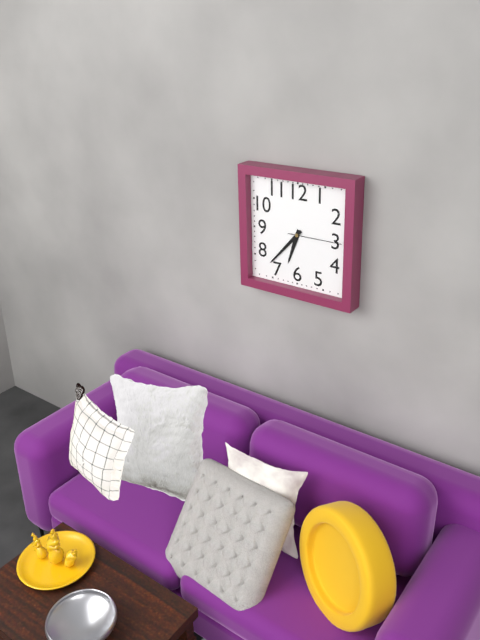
6h37m15s
